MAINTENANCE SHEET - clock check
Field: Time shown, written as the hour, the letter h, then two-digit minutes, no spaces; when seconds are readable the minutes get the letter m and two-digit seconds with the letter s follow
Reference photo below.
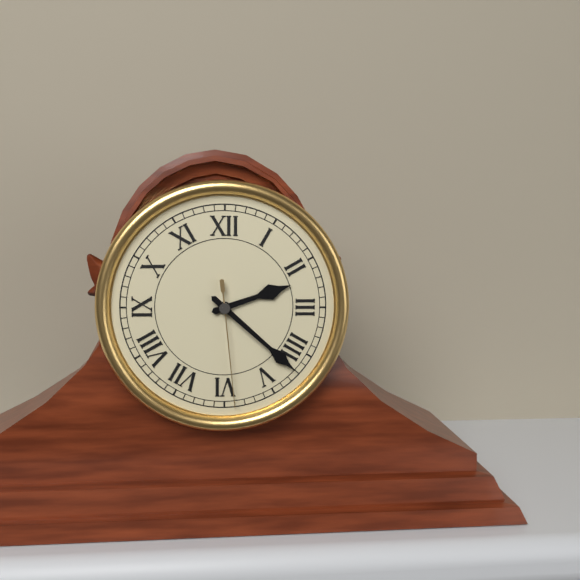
2h22m29s
